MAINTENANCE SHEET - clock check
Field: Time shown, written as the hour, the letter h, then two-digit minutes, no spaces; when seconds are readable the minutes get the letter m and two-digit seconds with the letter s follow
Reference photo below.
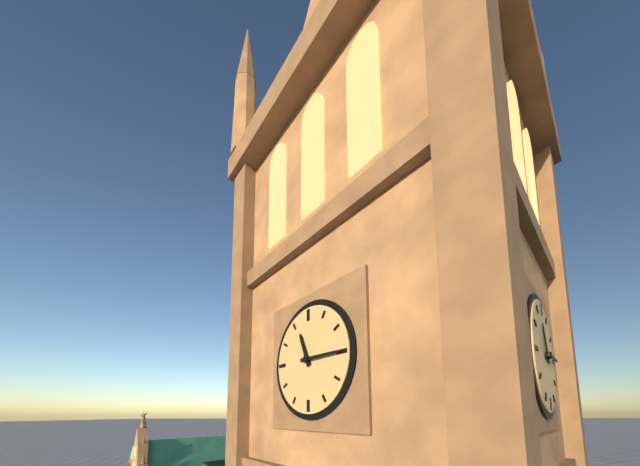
11h15
